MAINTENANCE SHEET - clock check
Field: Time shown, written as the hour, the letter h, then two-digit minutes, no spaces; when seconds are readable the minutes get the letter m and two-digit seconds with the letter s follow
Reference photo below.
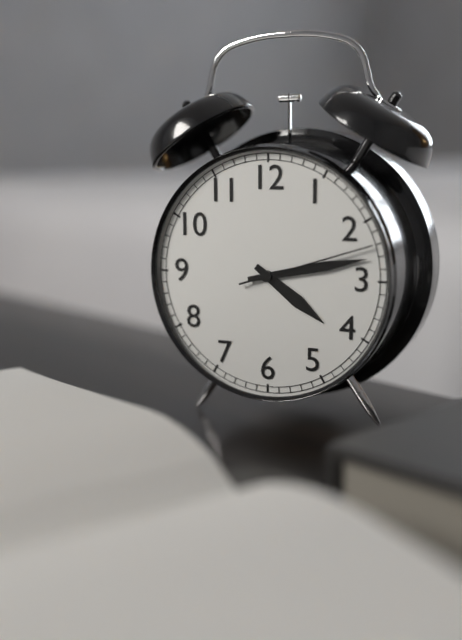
4h13m12s
